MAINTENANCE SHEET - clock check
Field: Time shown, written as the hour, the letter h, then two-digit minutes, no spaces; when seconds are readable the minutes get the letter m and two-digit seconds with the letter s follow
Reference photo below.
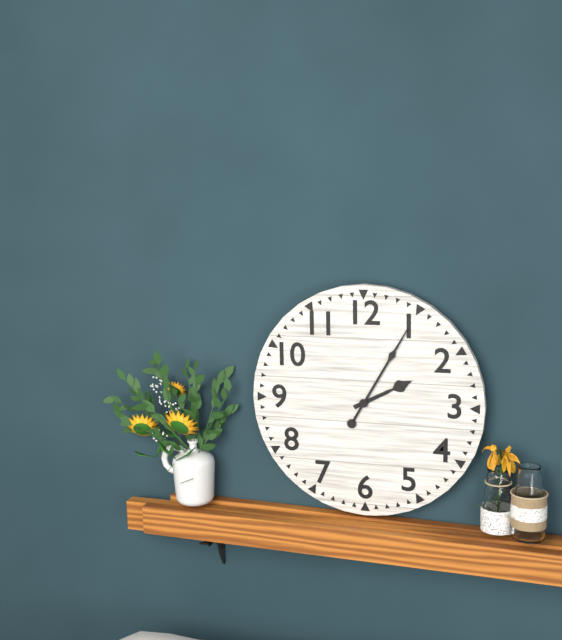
2h05
